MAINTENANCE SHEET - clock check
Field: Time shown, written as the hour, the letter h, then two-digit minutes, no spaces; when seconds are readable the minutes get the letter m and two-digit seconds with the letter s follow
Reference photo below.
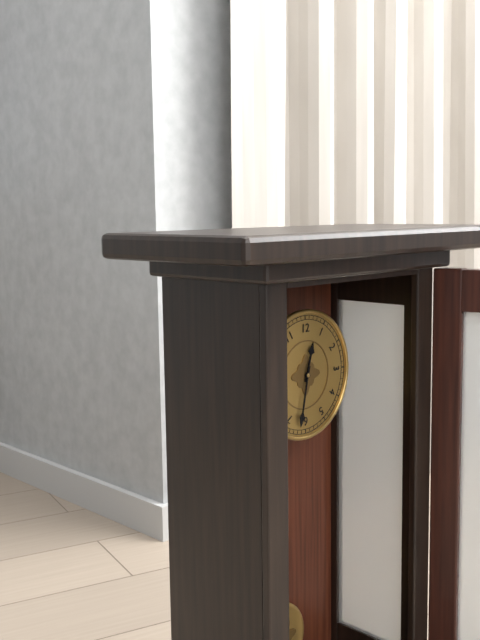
12h32
